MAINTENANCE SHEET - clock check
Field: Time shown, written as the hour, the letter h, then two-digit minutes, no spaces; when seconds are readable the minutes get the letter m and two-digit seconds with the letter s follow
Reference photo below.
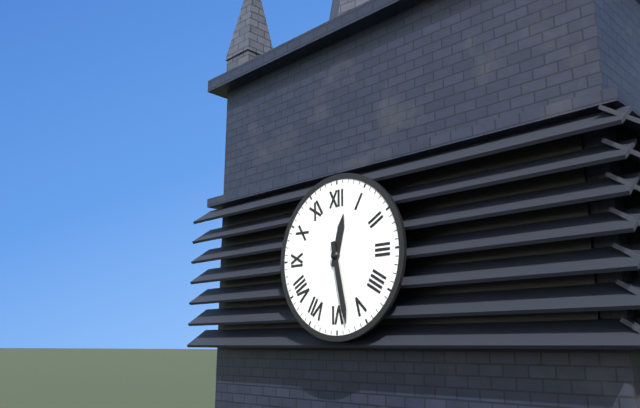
12h28
